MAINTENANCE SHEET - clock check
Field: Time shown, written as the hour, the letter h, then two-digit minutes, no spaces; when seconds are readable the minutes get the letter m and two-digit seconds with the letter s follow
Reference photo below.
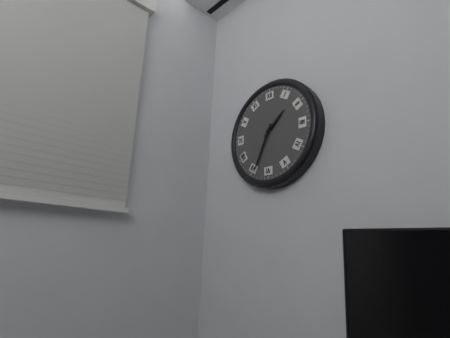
1h34
